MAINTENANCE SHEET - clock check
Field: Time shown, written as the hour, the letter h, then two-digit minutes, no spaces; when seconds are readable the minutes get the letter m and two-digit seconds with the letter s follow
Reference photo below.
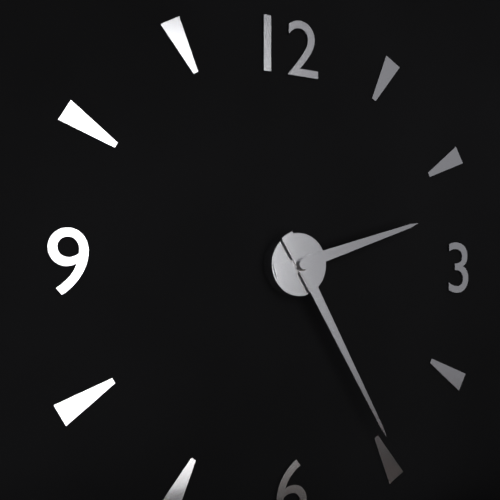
2h25
